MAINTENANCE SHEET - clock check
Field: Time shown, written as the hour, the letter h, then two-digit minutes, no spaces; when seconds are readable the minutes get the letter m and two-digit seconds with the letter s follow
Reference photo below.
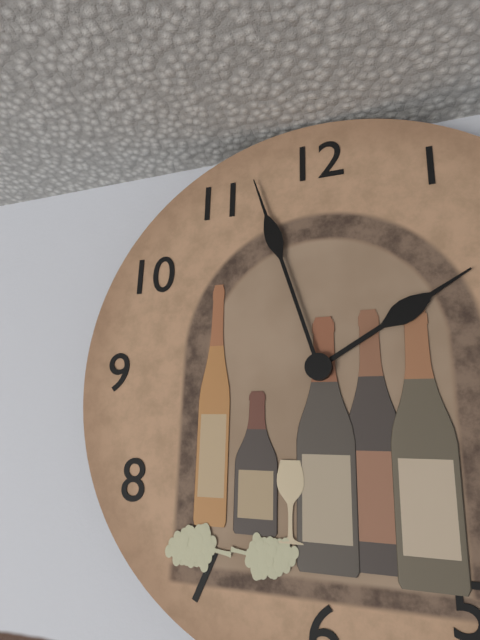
1h57
